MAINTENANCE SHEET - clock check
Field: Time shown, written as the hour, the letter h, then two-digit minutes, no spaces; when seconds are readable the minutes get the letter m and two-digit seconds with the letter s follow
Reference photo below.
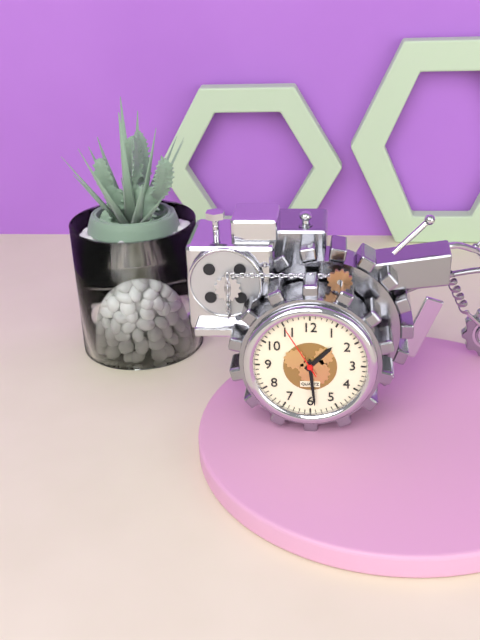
1h29m55s
